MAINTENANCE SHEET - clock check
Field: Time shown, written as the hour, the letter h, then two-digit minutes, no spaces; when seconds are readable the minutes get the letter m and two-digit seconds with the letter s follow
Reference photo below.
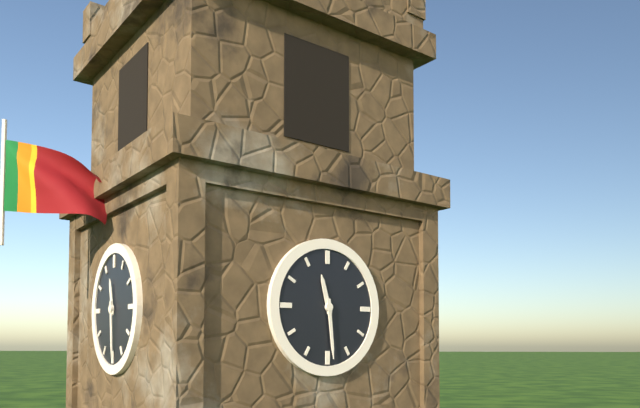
11h29
